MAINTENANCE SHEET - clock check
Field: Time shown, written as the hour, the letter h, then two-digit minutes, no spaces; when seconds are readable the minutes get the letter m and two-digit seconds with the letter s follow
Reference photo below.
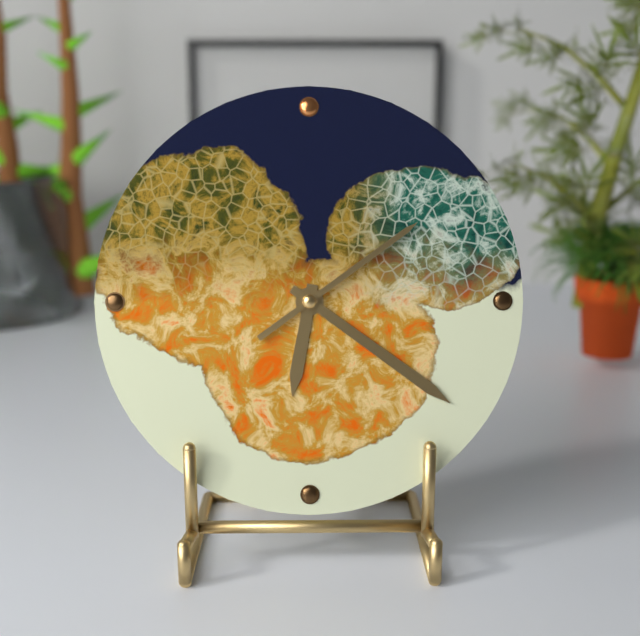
6h21m09s
